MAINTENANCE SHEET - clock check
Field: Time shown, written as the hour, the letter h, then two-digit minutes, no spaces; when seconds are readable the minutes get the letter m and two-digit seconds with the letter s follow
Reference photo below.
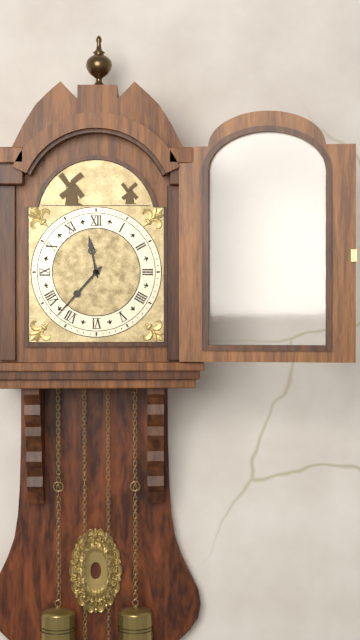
11h37
